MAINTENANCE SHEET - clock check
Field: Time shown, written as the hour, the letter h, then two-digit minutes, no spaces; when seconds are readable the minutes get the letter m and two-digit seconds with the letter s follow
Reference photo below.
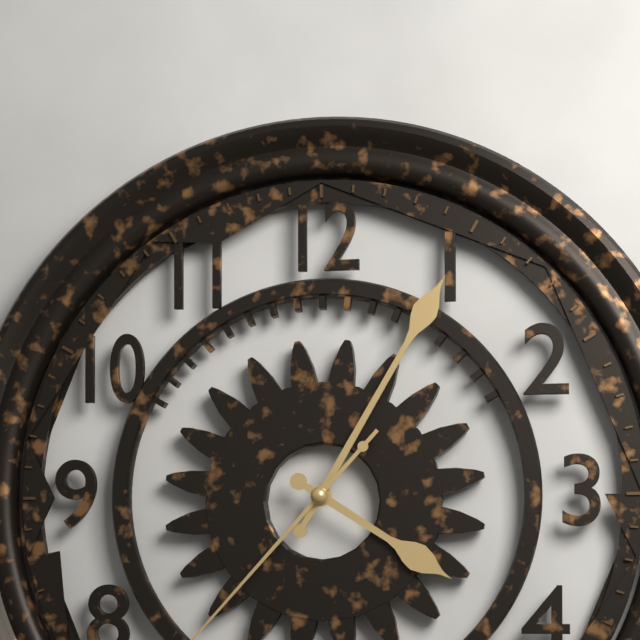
4h05
